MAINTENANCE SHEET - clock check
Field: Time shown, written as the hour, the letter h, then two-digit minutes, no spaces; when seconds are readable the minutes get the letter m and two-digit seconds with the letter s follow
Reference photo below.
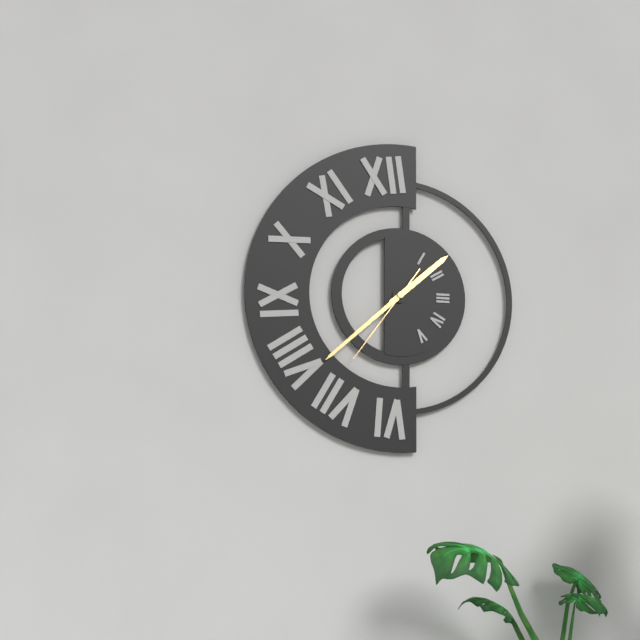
1h38m36s
